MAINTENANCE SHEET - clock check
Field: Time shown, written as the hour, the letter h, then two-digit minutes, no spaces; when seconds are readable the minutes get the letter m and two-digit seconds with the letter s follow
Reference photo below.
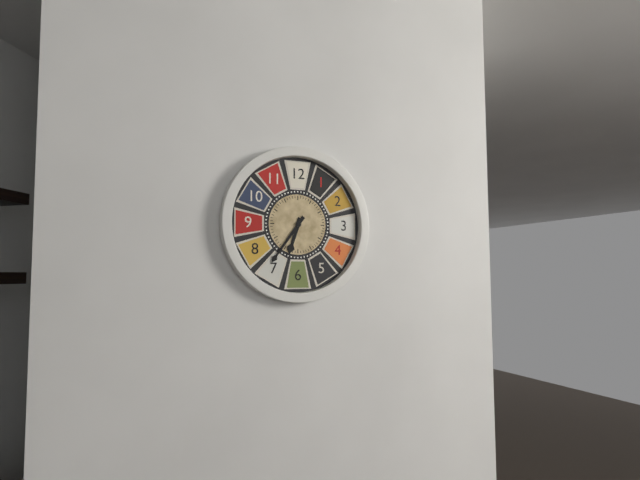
6h36
